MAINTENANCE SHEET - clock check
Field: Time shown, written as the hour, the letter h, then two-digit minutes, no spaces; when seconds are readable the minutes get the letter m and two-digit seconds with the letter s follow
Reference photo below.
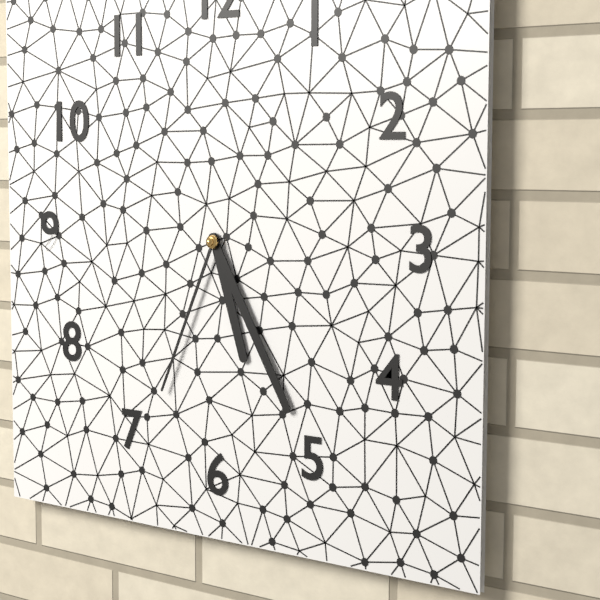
5h25m34s
